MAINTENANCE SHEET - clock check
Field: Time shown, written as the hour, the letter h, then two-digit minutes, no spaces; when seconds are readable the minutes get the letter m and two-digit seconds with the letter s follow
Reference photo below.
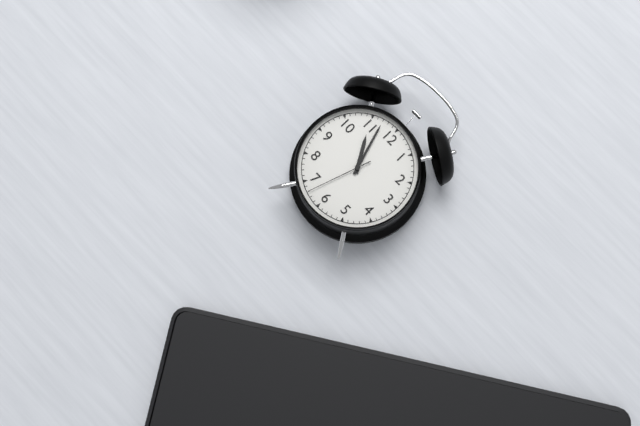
10h57m33s
